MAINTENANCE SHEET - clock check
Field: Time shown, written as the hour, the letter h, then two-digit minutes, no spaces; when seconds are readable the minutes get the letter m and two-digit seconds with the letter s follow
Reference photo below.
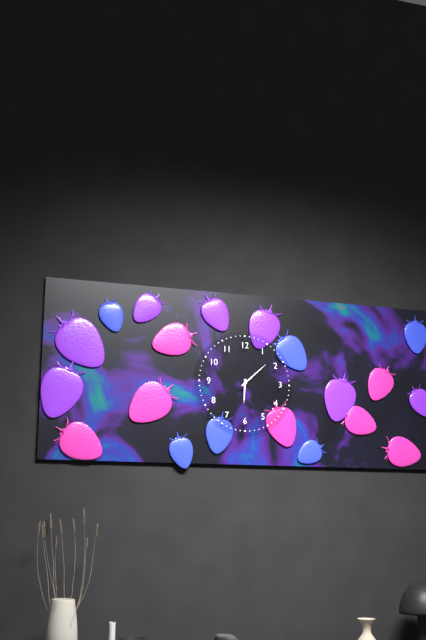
6h08
